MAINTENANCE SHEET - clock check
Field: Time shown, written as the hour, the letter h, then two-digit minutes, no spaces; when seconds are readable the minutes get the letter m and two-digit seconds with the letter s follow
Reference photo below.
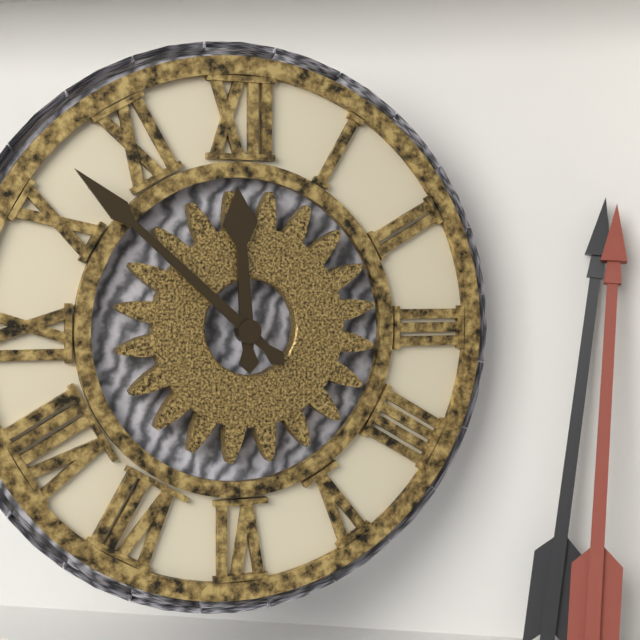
11h52
